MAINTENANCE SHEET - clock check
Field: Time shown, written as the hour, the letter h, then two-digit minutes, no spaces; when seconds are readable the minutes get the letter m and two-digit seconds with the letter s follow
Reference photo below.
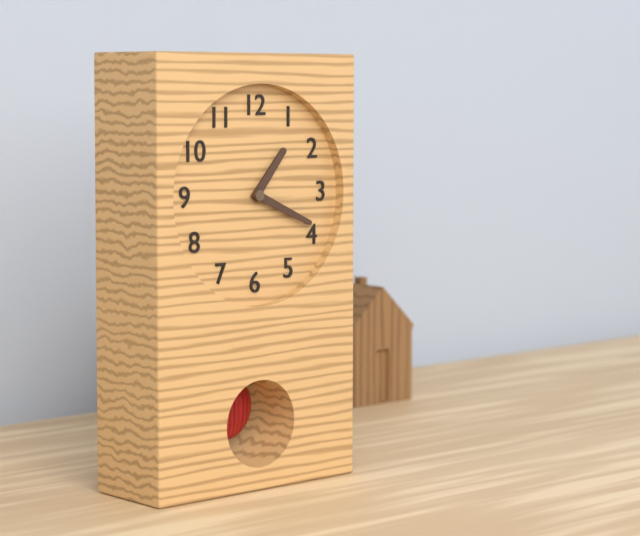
1h19
